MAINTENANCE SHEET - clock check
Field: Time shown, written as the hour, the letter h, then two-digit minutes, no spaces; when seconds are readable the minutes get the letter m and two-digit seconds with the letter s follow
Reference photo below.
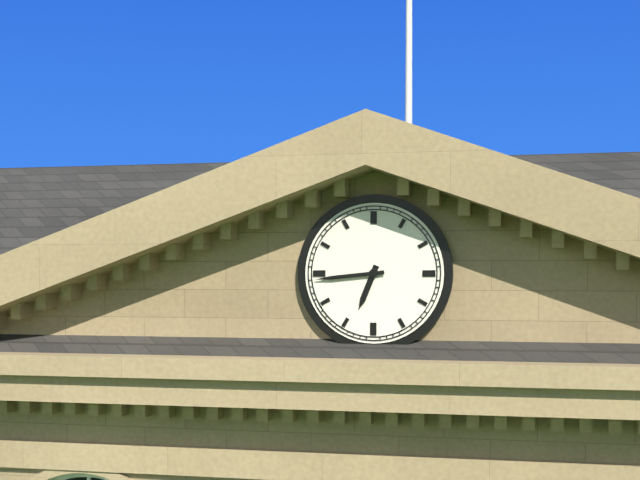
6h44
